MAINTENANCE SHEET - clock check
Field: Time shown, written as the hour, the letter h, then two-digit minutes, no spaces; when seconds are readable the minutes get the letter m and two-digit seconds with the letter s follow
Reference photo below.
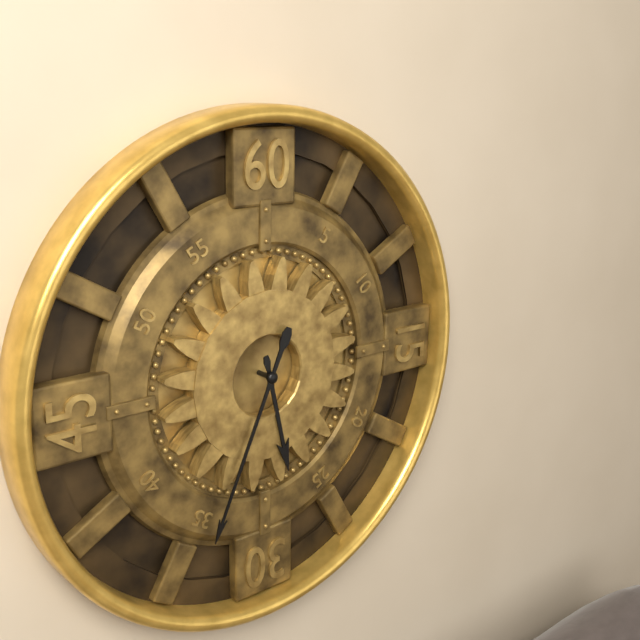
5h34
